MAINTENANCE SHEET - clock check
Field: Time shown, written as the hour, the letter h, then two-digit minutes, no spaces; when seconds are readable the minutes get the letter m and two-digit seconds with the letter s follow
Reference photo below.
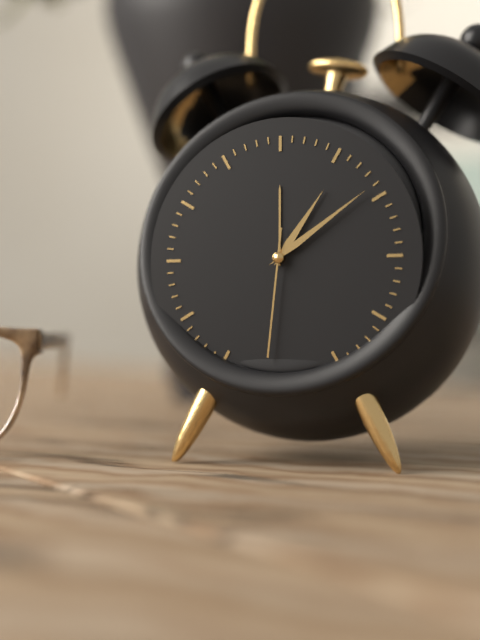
1h09m31s
